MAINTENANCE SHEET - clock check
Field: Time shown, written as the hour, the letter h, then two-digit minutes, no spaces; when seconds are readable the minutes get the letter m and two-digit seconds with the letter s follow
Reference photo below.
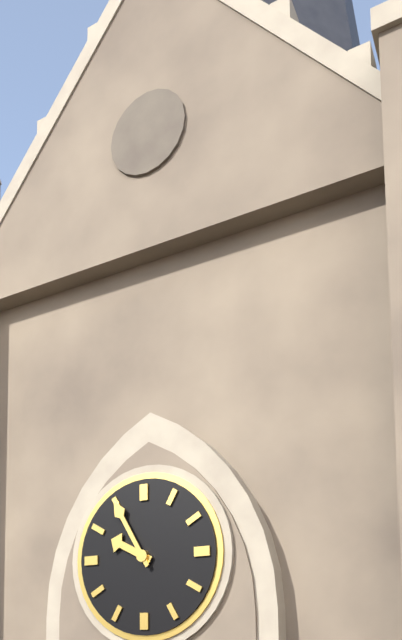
9h55
